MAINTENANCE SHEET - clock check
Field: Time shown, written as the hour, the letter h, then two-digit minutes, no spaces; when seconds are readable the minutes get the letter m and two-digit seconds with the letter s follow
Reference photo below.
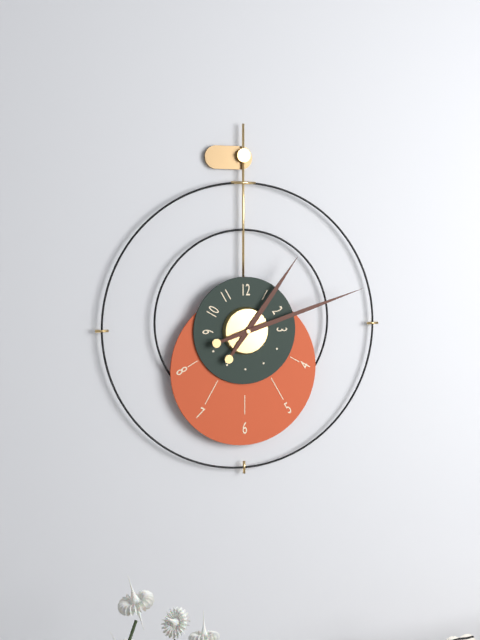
1h12
